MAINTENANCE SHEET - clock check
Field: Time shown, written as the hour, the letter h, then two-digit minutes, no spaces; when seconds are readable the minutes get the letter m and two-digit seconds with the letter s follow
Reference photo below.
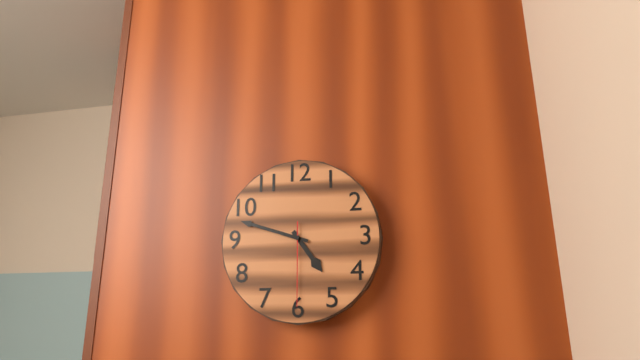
4h48m30s
